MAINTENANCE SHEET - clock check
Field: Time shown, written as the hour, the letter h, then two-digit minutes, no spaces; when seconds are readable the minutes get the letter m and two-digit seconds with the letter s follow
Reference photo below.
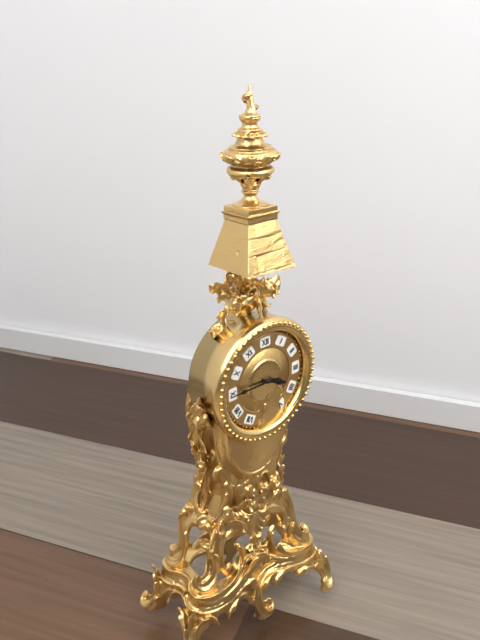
3h45
